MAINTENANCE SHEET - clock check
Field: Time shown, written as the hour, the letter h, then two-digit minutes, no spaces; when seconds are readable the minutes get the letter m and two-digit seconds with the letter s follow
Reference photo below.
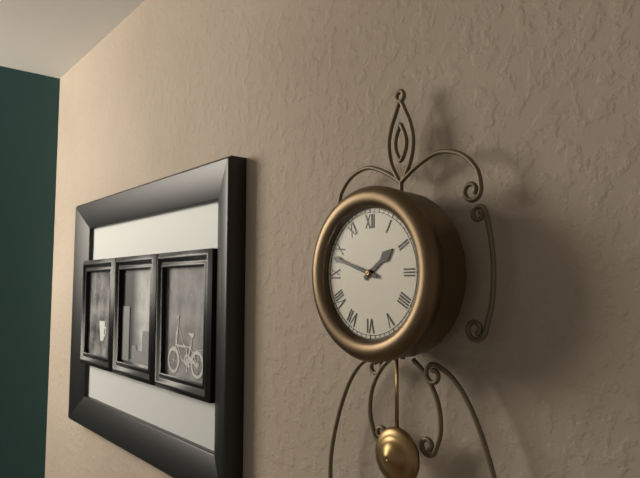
1h48
